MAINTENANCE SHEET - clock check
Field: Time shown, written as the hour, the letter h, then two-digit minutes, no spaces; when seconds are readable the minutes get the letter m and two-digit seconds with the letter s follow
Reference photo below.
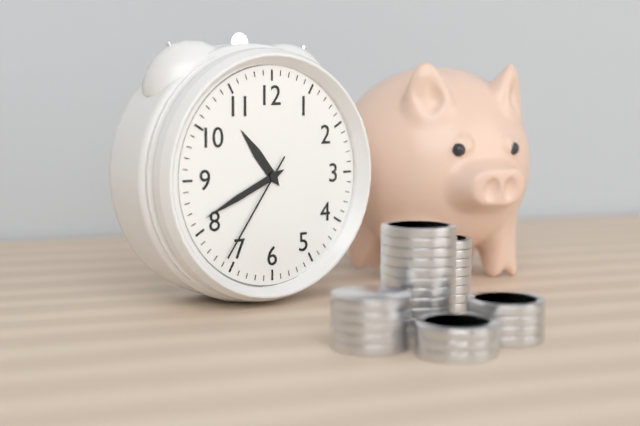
10h41m36s
